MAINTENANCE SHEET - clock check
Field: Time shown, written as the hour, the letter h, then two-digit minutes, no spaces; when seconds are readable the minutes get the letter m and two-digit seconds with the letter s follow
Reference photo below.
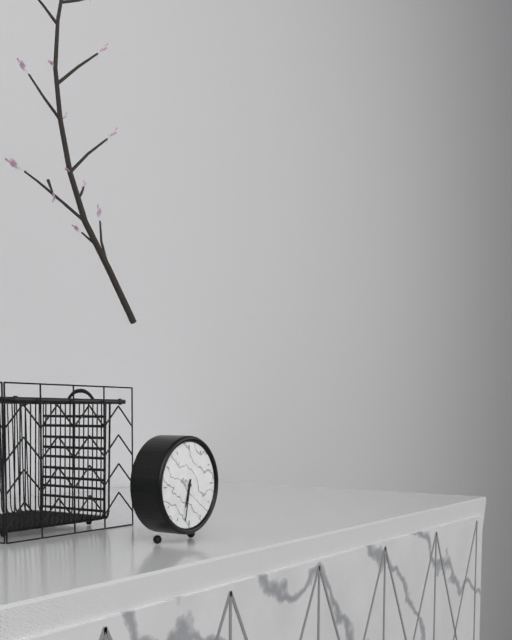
6h32
